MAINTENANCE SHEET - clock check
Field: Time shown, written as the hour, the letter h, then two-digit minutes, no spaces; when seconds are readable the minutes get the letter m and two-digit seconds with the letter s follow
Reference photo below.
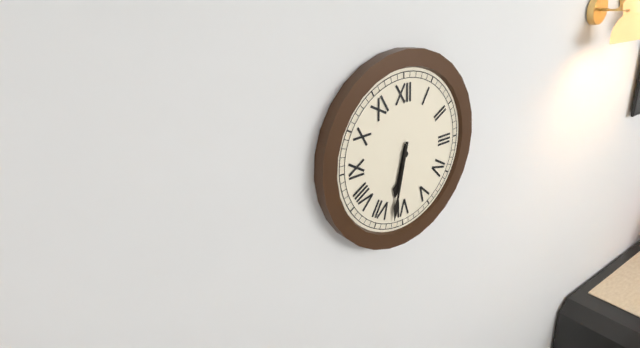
6h32
